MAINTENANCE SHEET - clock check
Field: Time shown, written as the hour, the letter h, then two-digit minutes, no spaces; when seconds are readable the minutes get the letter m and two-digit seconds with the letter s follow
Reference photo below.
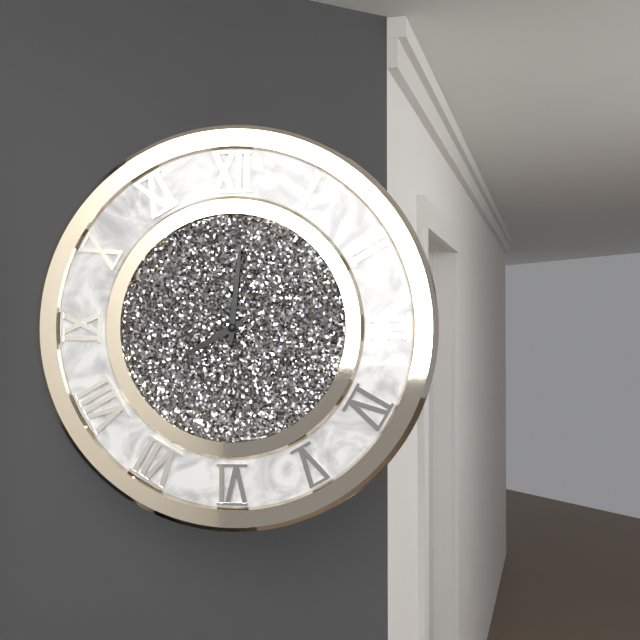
8h01
